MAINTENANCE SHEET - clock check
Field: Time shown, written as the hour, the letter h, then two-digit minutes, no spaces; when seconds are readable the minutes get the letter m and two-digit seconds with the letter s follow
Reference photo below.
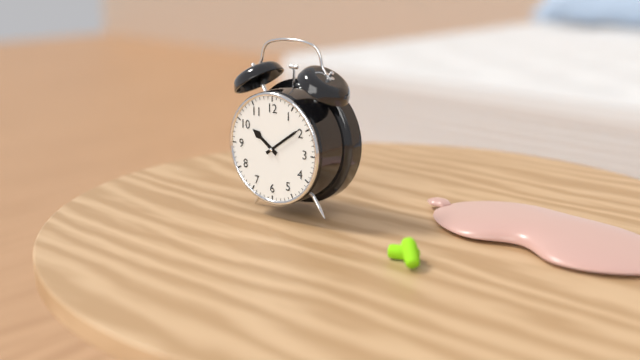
10h09
